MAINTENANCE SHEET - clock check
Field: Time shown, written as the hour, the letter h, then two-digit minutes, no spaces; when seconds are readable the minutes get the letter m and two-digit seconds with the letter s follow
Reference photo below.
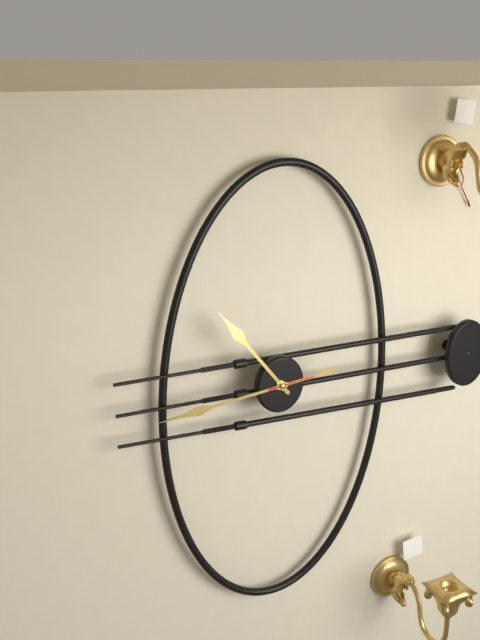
10h44
